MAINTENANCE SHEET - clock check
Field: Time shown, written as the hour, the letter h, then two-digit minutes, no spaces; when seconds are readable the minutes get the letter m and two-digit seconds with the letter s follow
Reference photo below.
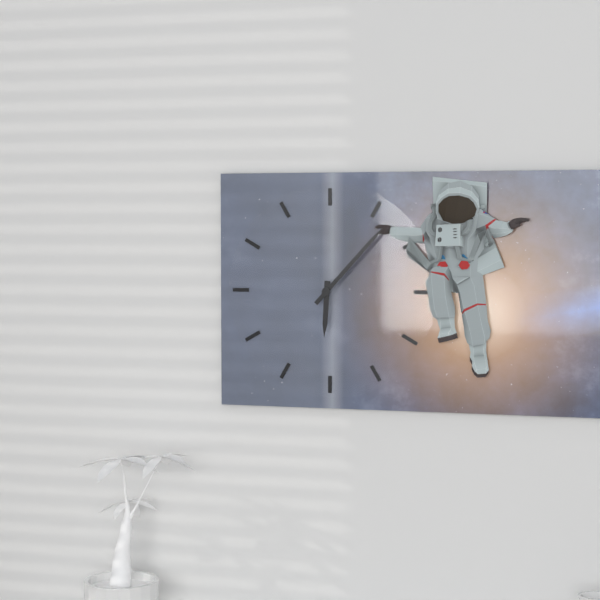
6h07
